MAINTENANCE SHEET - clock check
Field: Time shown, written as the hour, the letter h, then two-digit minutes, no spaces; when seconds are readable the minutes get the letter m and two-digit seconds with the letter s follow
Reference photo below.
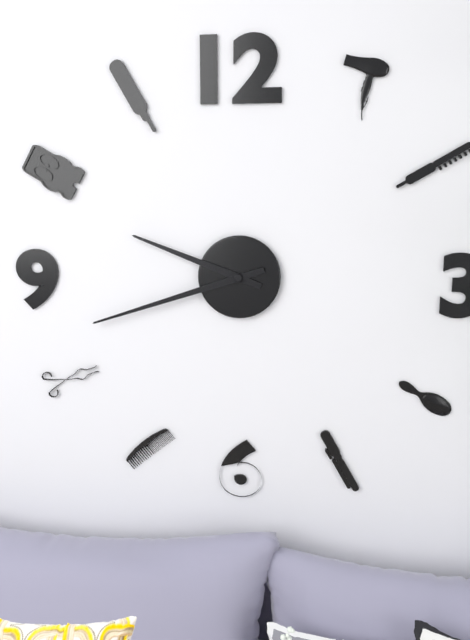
9h42
